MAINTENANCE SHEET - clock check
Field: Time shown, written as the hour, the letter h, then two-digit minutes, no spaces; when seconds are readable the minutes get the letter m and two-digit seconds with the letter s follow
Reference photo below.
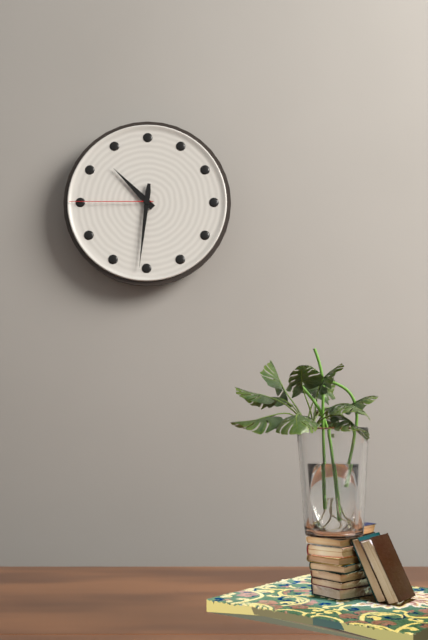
10h31m45s
